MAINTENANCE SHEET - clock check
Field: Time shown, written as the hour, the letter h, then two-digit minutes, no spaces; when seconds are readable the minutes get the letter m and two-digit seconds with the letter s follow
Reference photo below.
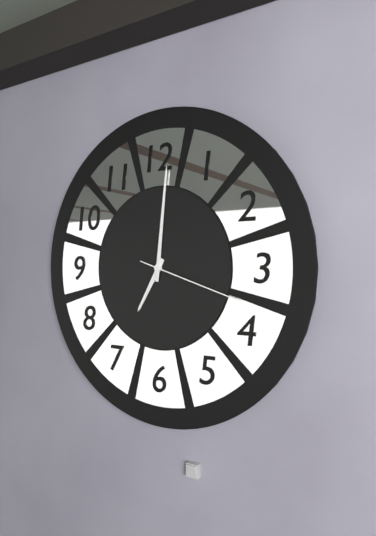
7h01m18s
